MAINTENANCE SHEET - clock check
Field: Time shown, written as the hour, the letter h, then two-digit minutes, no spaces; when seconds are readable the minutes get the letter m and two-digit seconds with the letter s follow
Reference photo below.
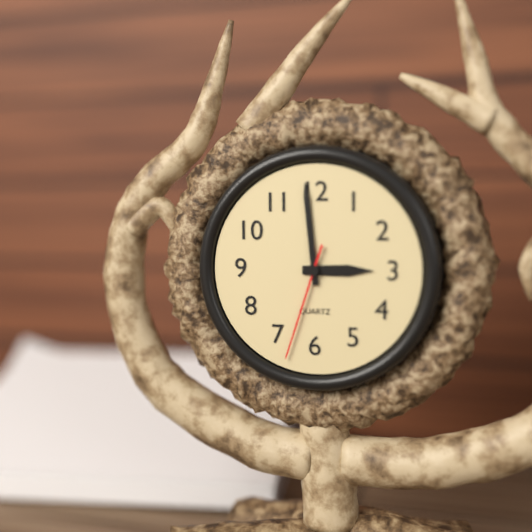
2h59m33s
